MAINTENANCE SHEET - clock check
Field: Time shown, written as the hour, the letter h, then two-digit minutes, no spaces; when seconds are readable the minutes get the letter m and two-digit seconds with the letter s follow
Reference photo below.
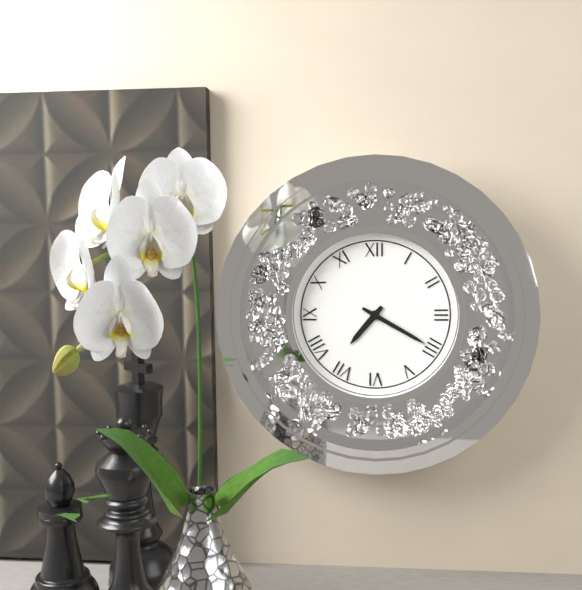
7h20
